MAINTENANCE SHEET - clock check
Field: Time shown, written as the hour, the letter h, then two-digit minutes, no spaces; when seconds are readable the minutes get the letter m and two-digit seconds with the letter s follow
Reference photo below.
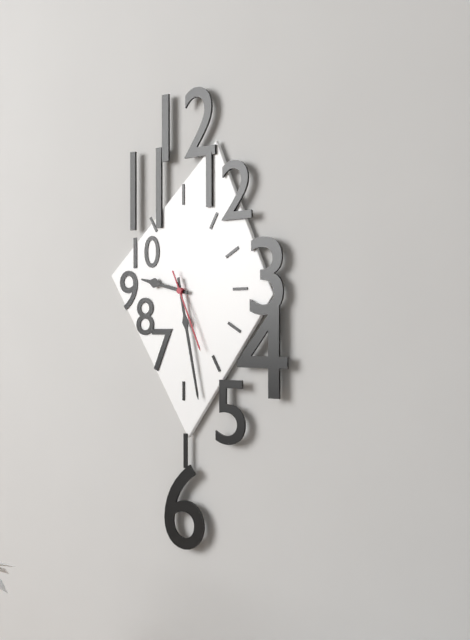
9h28m26s
